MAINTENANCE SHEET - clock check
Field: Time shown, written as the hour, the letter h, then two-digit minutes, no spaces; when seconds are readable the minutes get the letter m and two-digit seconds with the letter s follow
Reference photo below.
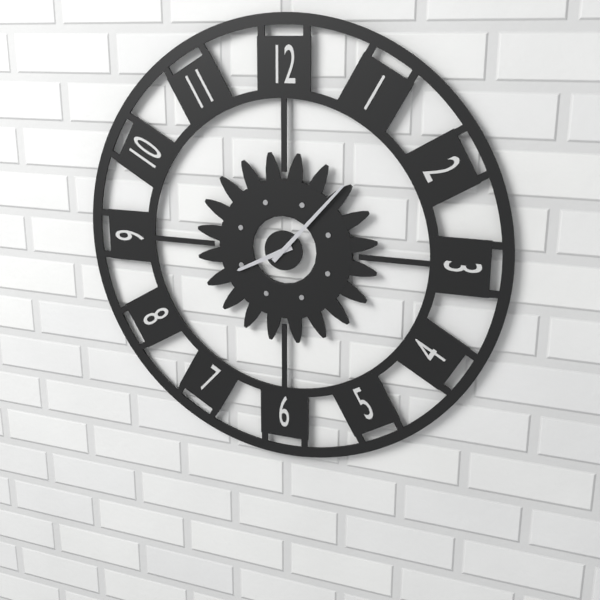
8h07
